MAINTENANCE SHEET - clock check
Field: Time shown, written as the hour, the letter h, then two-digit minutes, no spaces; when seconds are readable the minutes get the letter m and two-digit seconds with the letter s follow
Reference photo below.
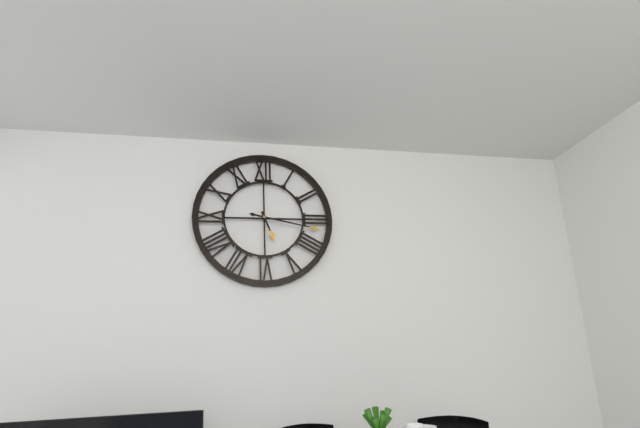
5h17
